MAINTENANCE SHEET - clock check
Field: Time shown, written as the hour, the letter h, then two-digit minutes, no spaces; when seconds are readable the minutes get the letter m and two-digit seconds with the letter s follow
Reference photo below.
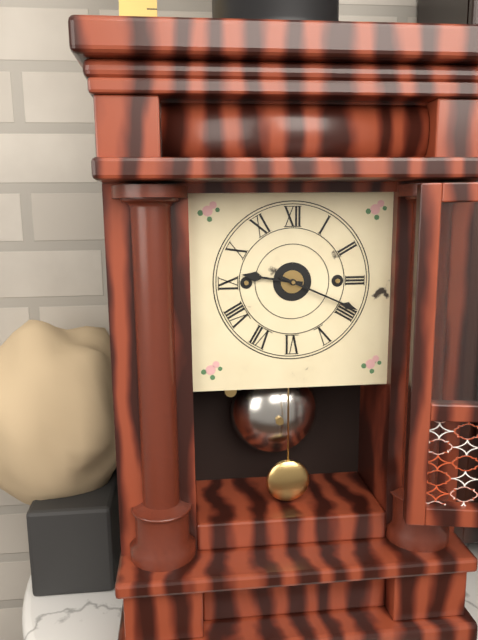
9h19
